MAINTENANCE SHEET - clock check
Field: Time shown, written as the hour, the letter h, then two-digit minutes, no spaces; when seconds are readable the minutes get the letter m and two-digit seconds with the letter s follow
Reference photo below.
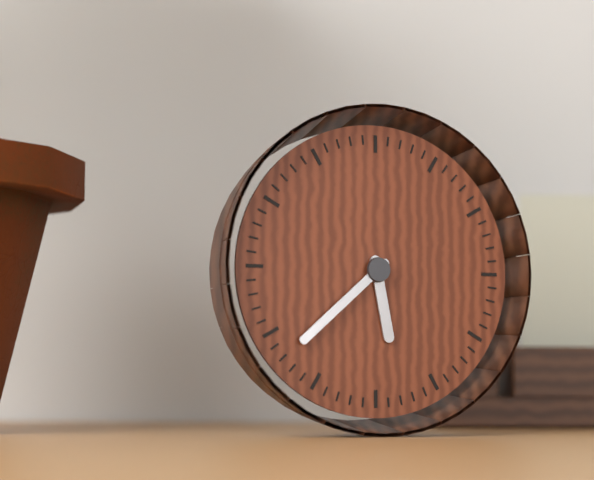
5h38
